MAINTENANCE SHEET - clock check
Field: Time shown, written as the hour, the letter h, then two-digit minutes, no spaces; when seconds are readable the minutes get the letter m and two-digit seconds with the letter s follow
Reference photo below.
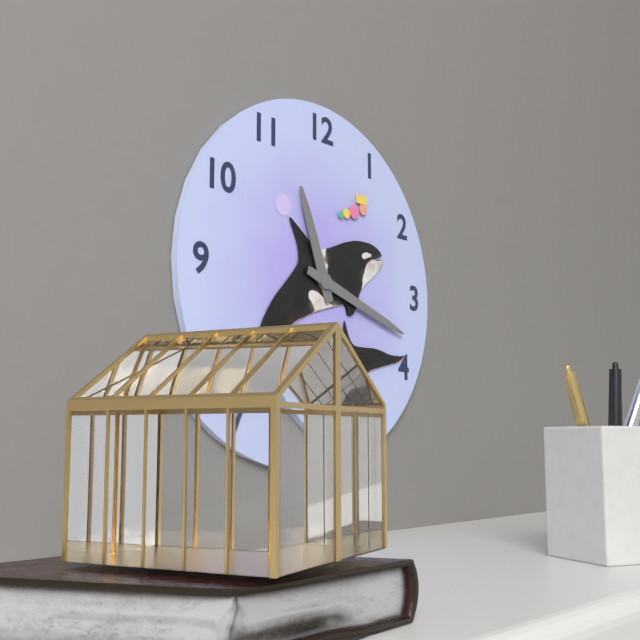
11h18
